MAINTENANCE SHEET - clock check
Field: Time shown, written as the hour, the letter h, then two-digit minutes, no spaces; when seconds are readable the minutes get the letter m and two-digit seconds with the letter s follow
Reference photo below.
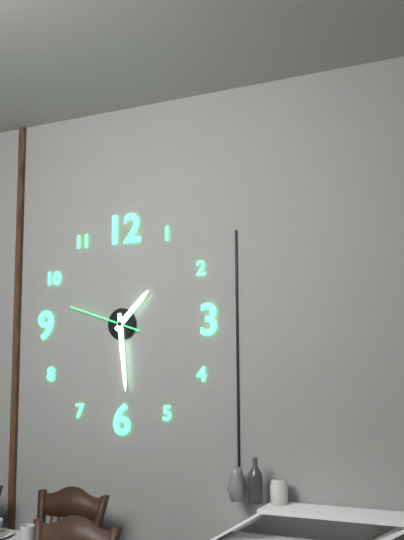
1h29m48s
